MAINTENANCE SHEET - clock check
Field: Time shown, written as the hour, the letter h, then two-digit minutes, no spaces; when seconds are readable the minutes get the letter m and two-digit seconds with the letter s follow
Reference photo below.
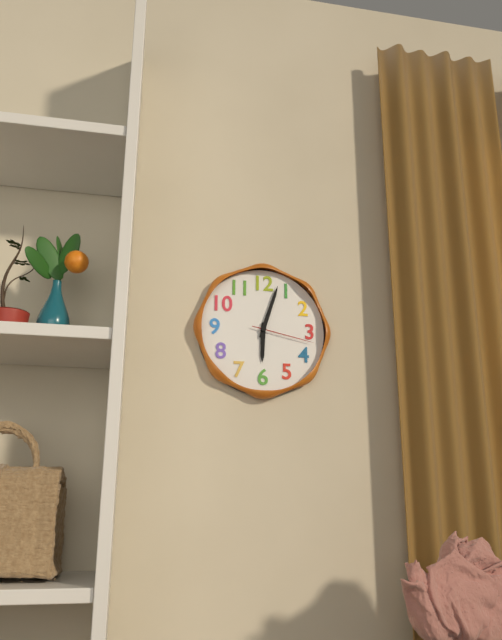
6h03m17s
